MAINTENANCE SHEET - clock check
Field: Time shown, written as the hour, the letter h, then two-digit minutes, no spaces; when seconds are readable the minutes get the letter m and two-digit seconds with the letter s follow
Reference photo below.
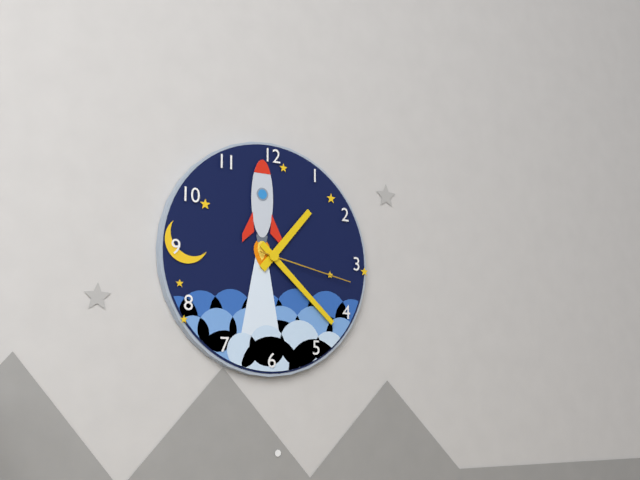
1h22m17s
